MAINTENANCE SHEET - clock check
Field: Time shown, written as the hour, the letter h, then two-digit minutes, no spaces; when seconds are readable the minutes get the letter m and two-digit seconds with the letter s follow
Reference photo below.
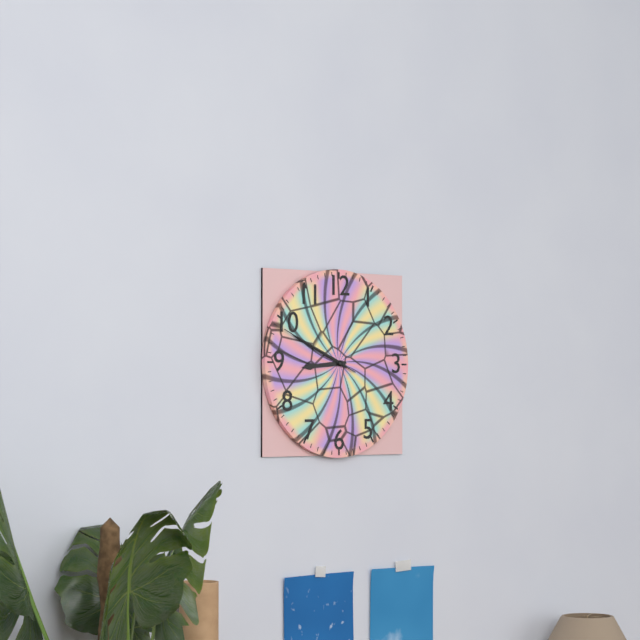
8h49m49s
